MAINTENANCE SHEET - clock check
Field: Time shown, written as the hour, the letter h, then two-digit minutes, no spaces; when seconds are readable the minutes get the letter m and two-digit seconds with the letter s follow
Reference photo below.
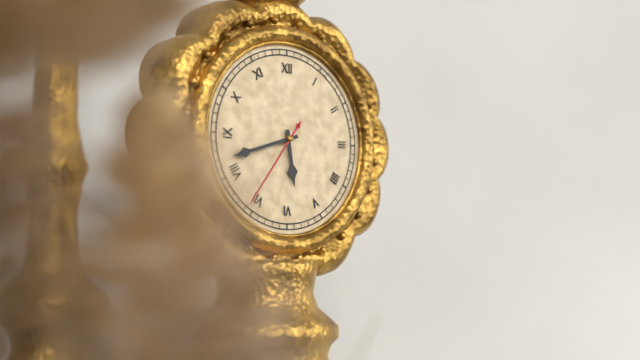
5h42m36s
